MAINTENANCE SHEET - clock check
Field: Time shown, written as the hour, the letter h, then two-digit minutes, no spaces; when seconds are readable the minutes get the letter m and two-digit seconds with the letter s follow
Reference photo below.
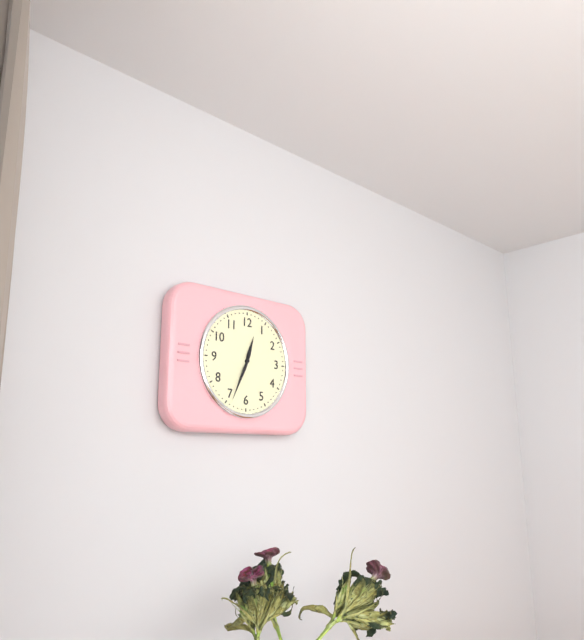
12h34
